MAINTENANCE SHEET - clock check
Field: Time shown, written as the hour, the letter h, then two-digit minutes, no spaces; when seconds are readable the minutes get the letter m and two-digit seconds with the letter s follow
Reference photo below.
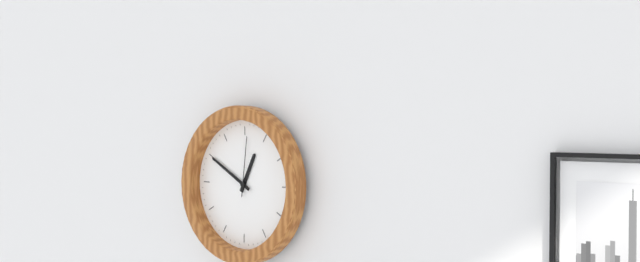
12h50m01s
